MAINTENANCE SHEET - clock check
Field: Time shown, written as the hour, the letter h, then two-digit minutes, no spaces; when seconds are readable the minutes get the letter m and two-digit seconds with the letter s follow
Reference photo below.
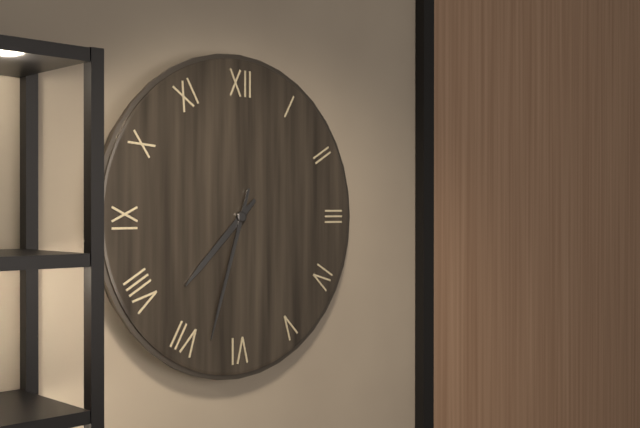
7h33
